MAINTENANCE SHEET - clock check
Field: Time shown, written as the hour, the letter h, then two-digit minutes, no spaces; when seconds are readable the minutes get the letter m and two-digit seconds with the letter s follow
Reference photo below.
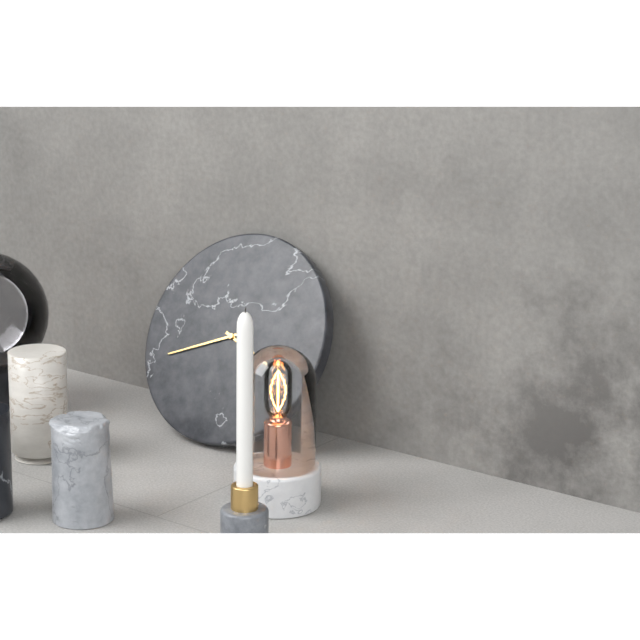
3h41
